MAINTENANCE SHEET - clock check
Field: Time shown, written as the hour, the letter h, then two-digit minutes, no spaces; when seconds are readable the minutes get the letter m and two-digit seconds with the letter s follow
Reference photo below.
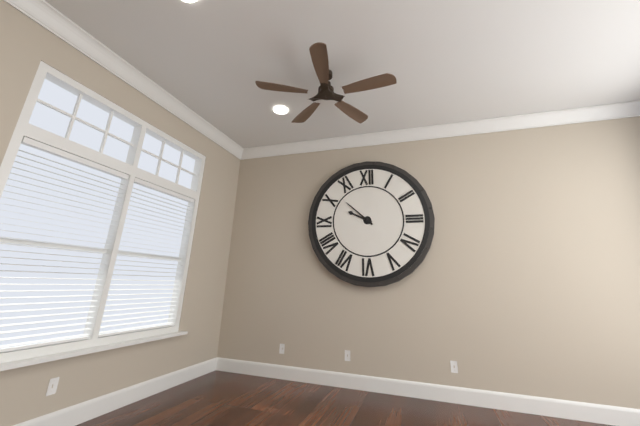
9h52
